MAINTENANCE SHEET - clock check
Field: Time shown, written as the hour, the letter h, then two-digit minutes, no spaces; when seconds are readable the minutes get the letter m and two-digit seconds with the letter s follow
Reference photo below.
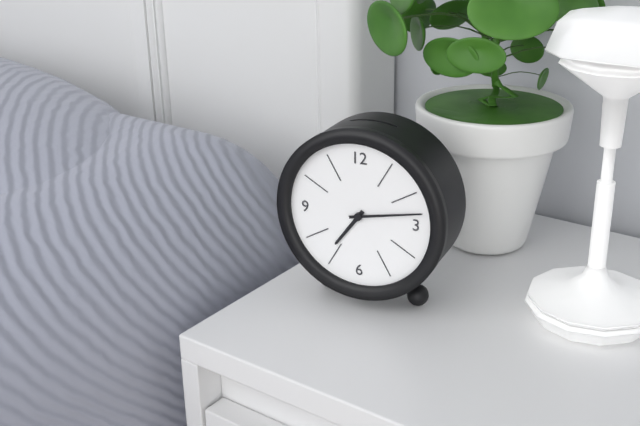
7h13
